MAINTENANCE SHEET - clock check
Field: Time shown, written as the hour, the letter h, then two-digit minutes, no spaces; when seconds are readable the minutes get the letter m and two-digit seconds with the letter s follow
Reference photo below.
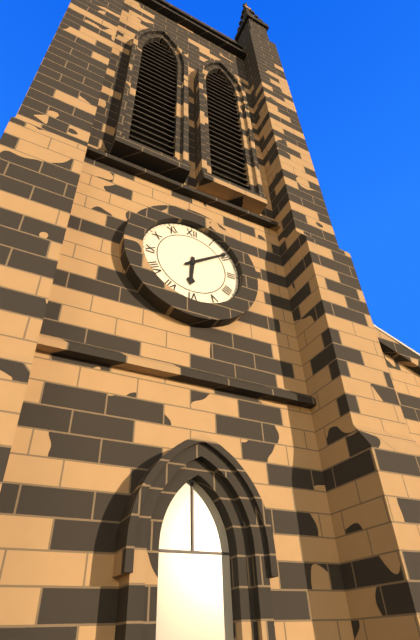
6h09
